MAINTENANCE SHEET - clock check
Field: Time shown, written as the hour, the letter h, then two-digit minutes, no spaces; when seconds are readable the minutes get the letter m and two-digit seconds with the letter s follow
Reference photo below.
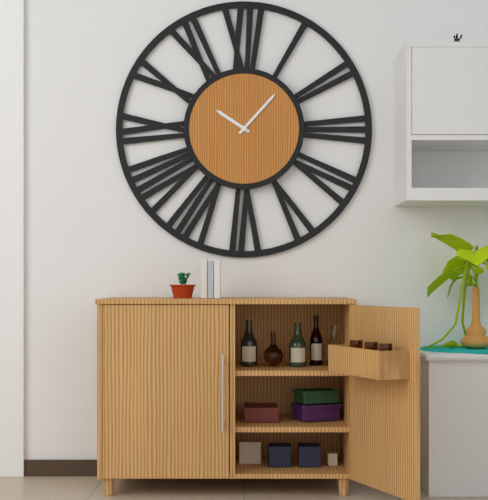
10h07
